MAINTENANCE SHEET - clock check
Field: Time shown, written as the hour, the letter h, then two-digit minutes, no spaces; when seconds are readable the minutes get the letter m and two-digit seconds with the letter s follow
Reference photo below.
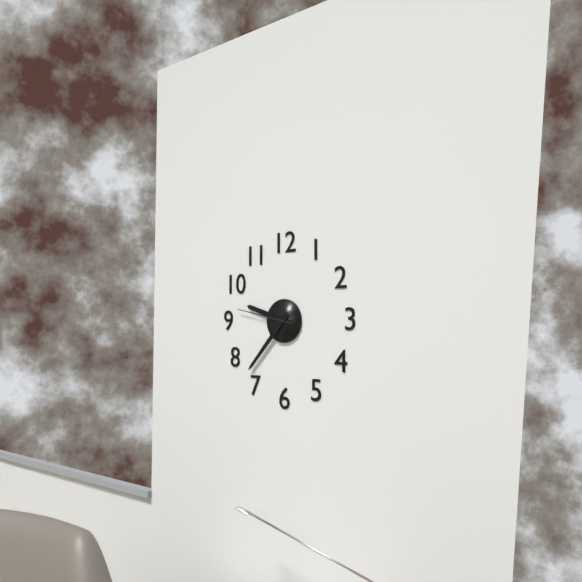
9h37m47s
